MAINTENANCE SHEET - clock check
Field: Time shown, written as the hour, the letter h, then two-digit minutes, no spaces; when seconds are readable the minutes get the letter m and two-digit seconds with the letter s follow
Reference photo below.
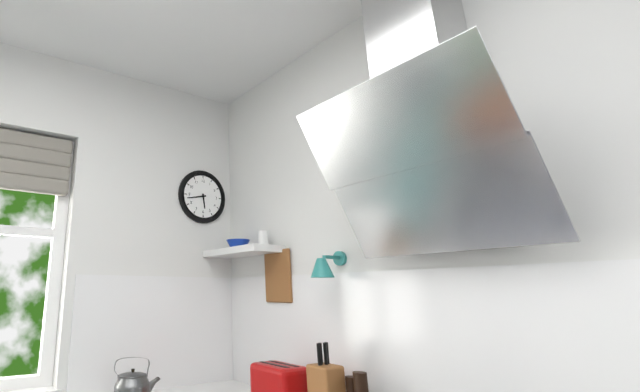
5h43
